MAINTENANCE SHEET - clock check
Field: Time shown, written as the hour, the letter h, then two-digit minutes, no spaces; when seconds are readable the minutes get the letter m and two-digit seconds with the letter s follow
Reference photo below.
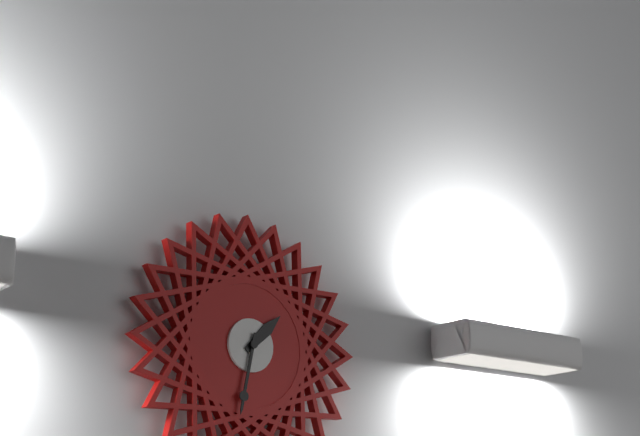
1h32
